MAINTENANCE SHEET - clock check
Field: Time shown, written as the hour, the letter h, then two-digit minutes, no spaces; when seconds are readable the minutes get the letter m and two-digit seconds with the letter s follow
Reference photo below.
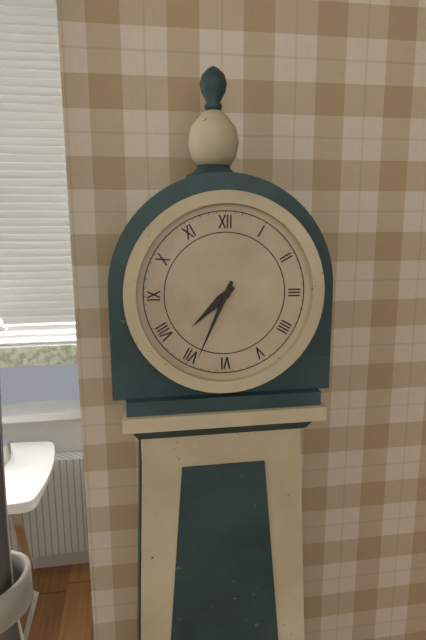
7h34
